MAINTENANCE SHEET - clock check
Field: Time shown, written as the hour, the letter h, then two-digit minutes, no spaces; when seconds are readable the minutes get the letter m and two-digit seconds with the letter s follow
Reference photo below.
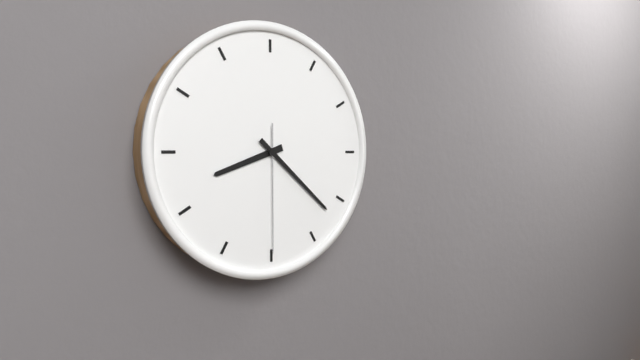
8h22m30s
